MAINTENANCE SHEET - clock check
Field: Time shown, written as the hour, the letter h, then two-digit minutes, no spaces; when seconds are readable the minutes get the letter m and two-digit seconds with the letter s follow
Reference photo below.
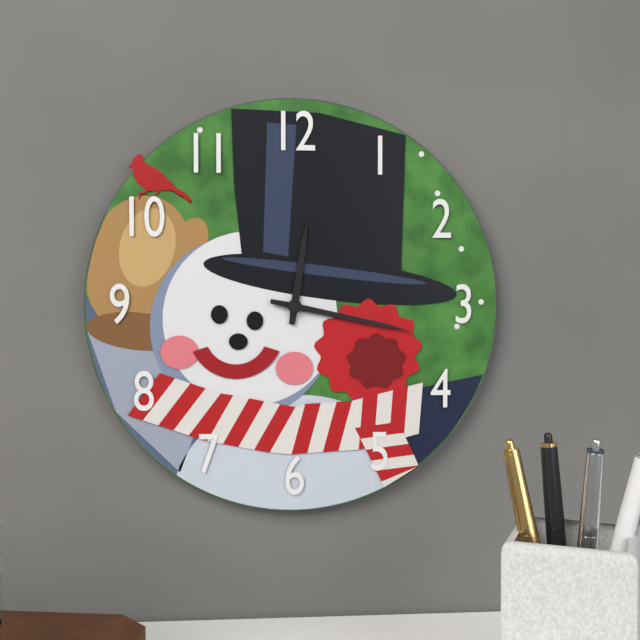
12h17
